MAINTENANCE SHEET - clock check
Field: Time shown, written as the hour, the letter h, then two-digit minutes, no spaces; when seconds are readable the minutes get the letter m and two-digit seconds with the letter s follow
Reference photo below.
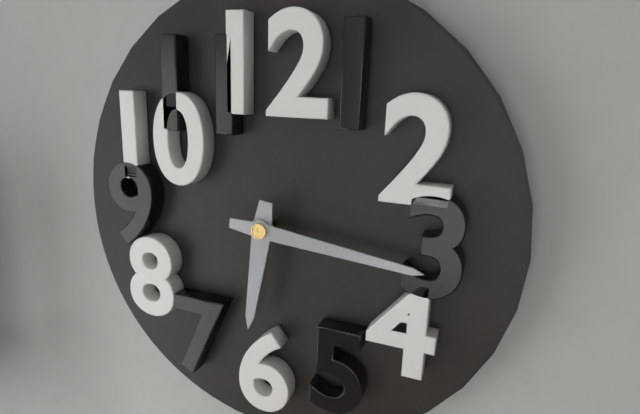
6h16
